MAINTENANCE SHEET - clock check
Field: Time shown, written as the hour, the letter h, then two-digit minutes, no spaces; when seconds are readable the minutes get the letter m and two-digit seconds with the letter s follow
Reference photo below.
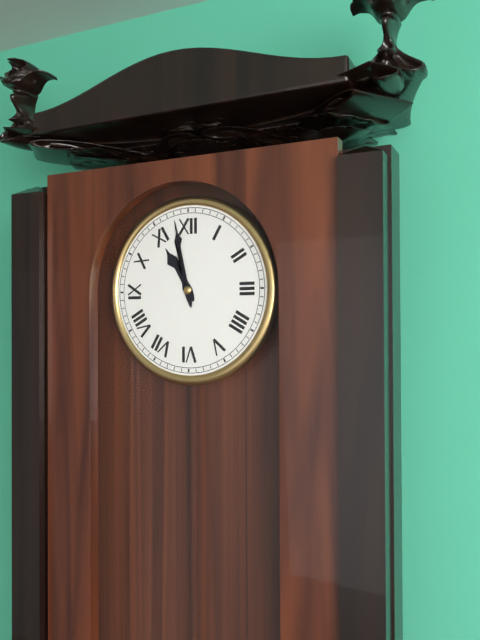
10h58
